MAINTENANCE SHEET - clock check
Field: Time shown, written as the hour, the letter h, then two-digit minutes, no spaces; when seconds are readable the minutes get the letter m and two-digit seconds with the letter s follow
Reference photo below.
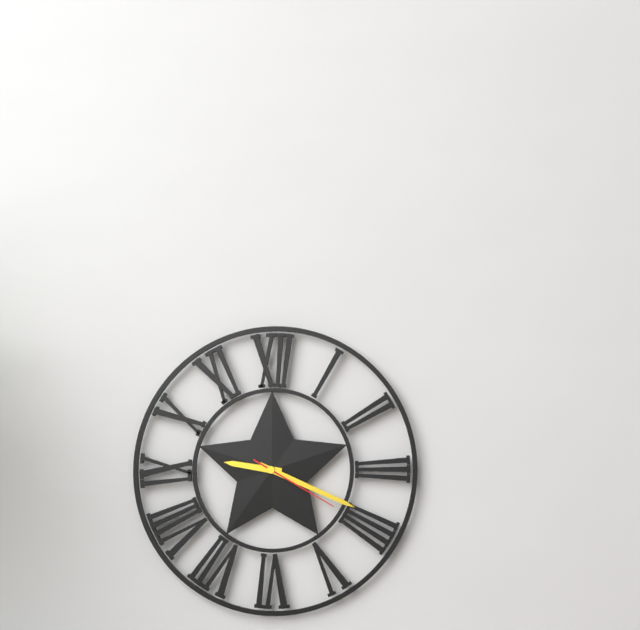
9h19m20s
